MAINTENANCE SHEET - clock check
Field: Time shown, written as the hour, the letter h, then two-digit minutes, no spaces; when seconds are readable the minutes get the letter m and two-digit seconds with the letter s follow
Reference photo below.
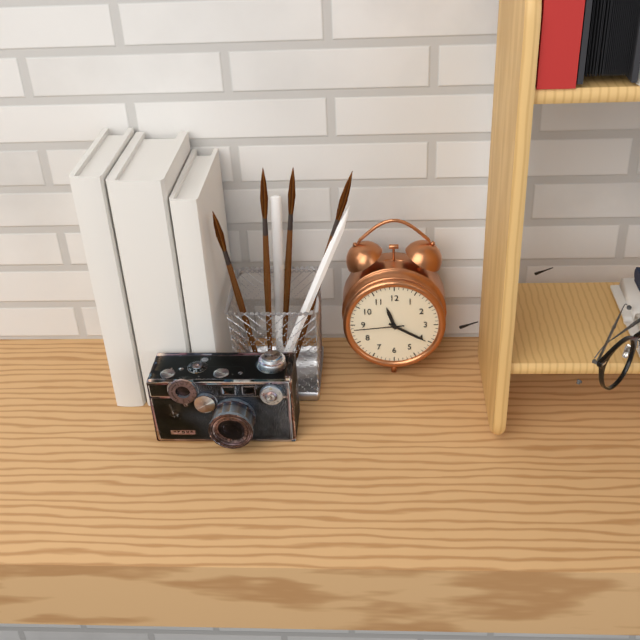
11h20m44s
